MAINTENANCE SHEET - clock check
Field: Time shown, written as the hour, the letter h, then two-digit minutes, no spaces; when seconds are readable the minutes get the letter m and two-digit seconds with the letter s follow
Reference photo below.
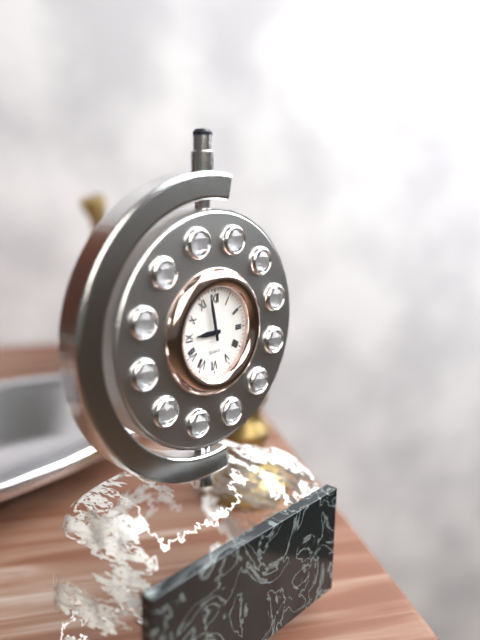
8h58
